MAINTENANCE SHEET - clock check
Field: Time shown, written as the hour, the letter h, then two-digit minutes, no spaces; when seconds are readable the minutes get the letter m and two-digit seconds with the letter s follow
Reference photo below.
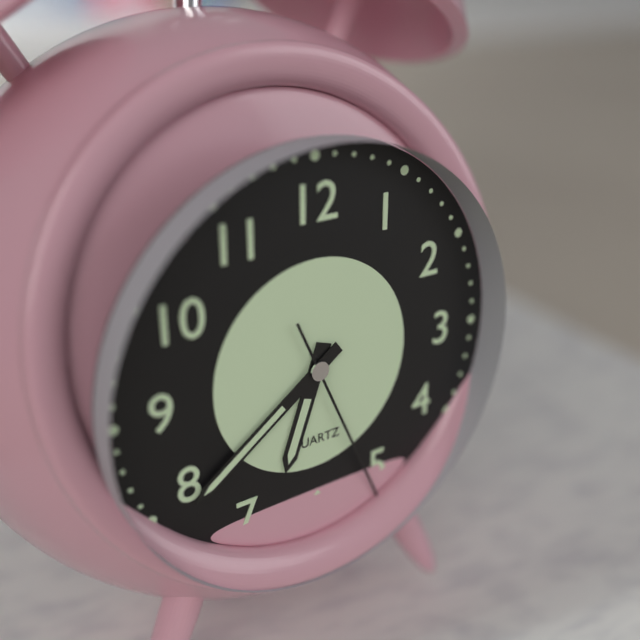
6h39m26s
